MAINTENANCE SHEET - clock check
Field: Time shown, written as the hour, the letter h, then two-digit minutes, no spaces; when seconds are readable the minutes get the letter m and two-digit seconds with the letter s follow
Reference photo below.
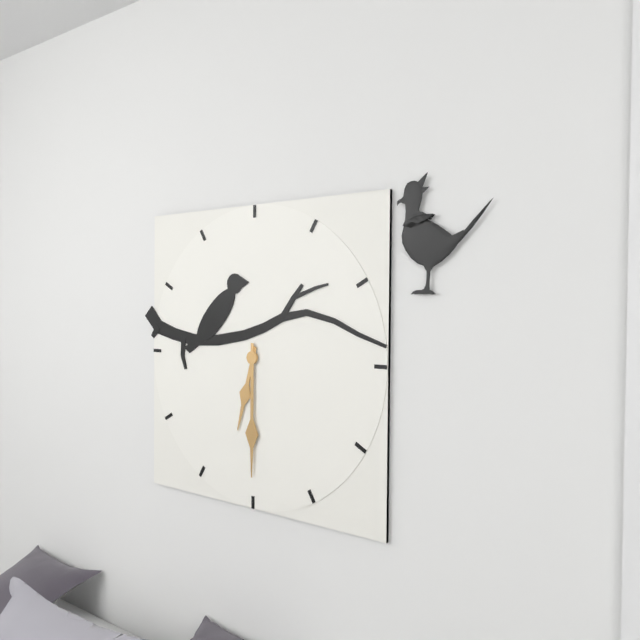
6h30
